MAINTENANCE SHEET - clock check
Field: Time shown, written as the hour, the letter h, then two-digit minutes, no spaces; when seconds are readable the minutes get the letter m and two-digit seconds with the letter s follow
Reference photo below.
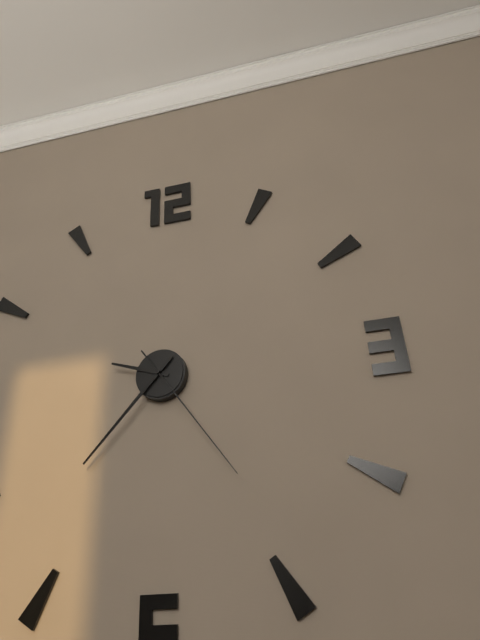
9h37m24s
